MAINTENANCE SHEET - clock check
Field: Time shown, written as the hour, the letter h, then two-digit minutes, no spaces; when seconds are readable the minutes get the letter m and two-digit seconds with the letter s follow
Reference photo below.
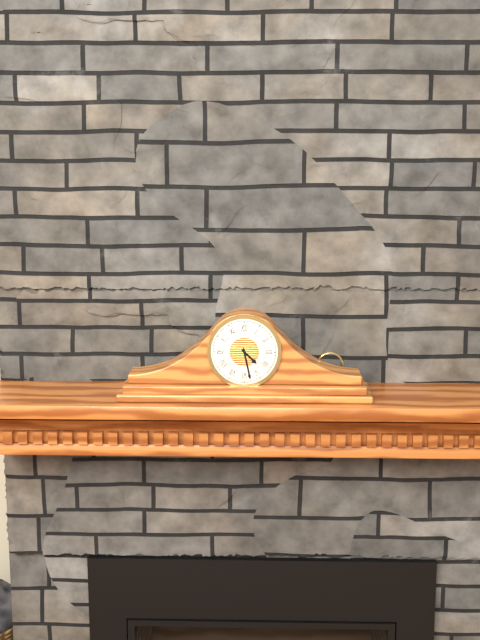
4h28
